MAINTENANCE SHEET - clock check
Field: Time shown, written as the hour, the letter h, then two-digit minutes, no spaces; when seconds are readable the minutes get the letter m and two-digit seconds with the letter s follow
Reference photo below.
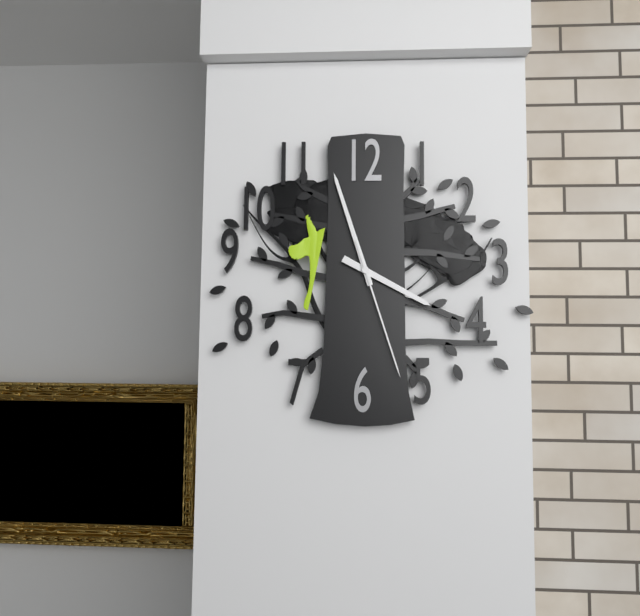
3h57m27s
